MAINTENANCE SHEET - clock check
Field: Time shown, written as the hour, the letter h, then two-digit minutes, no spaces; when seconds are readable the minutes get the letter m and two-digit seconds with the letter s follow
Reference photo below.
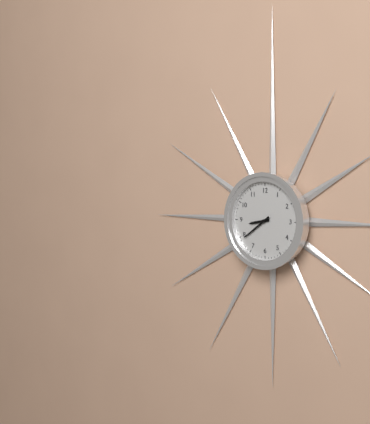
8h39
